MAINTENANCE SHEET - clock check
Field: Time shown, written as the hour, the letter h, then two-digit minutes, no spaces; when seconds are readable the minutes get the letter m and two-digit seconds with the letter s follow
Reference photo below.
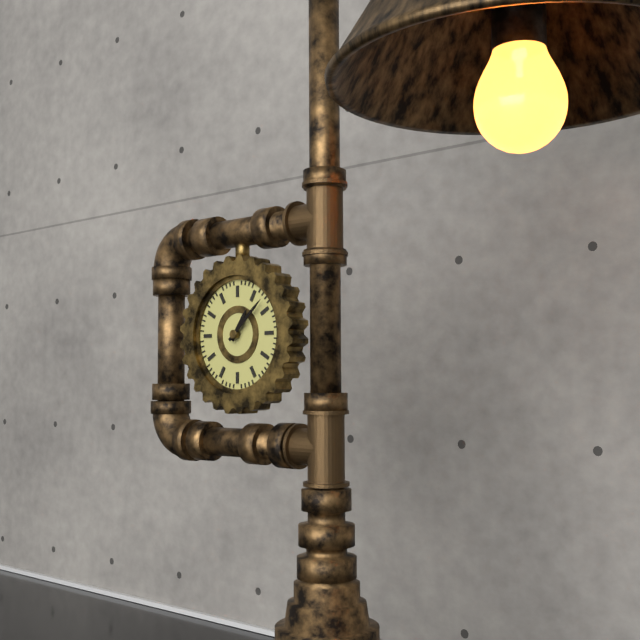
1h08
